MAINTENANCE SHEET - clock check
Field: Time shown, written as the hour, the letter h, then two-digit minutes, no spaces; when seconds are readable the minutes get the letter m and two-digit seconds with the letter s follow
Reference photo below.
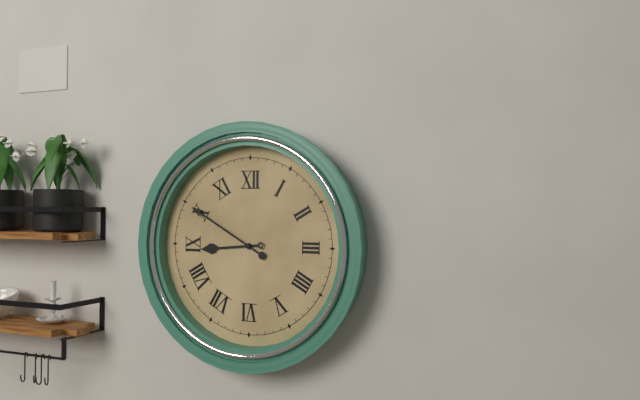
8h50
